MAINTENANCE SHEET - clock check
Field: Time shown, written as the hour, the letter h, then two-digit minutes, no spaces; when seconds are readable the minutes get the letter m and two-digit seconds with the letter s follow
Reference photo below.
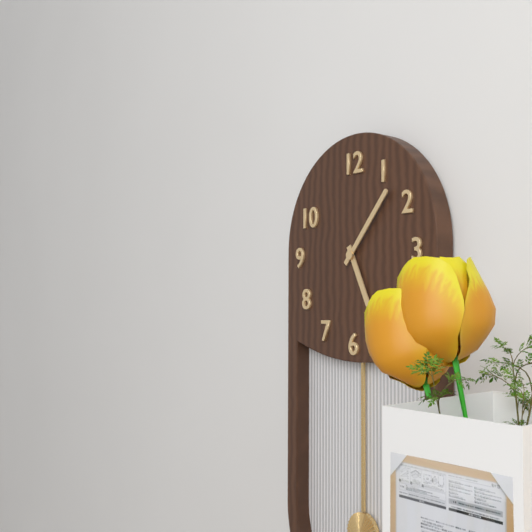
5h07
